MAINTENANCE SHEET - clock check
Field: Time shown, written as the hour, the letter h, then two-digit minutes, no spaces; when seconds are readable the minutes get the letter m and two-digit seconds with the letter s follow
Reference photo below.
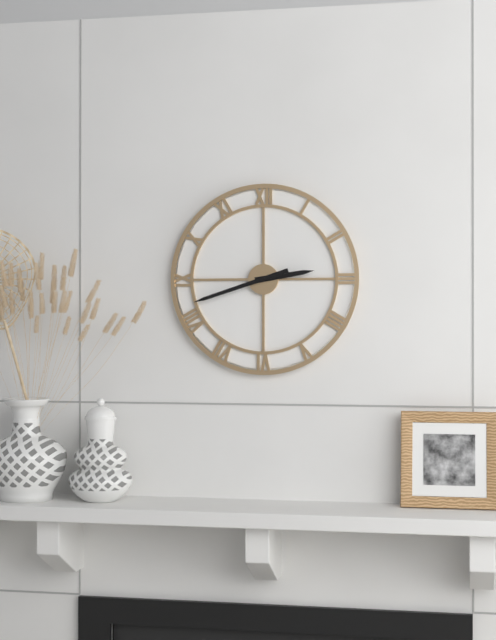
2h42
